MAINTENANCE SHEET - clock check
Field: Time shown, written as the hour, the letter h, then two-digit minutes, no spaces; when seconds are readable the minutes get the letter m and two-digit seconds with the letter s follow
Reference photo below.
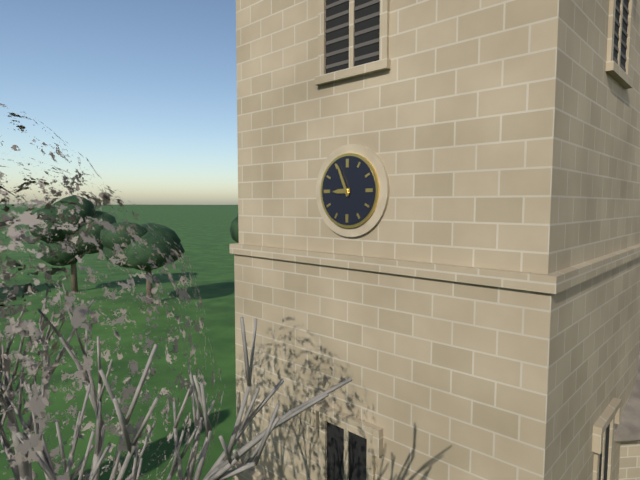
8h56
